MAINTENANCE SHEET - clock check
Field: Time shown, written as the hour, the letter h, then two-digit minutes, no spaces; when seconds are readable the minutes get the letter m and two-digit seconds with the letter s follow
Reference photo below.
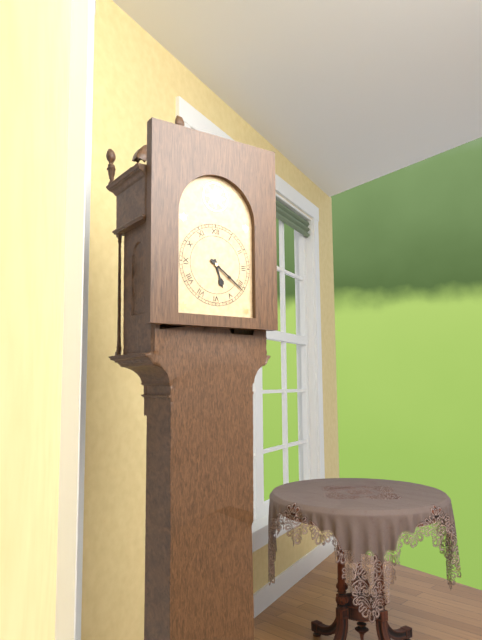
5h21
